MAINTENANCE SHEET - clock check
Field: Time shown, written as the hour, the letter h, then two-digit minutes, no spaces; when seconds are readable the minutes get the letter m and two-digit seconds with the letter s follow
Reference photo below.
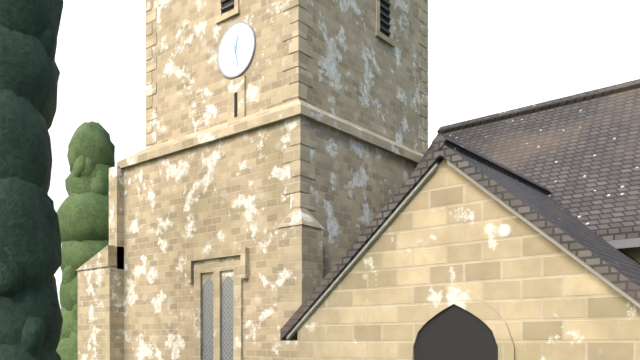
12h28
